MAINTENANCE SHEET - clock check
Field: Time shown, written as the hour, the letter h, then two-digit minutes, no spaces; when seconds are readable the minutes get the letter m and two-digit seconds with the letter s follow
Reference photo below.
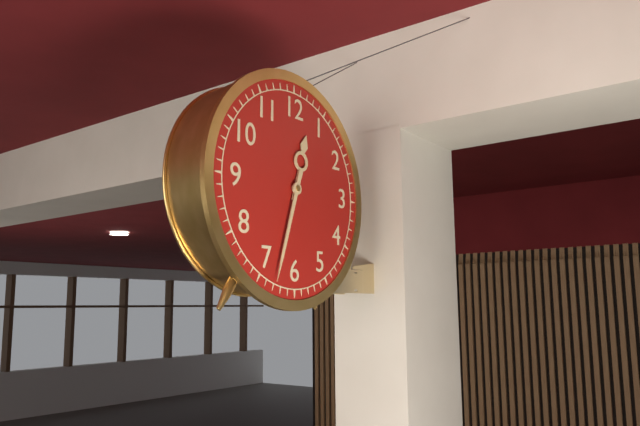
12h33
